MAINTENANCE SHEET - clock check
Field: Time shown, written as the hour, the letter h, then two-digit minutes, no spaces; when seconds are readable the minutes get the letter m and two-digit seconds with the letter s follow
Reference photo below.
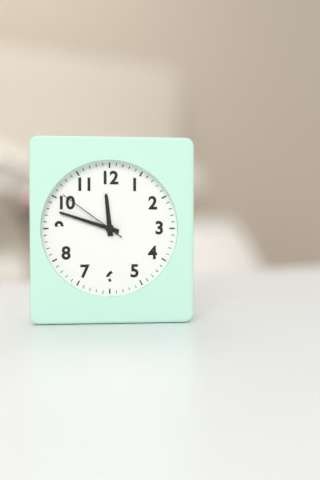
11h48m51s
